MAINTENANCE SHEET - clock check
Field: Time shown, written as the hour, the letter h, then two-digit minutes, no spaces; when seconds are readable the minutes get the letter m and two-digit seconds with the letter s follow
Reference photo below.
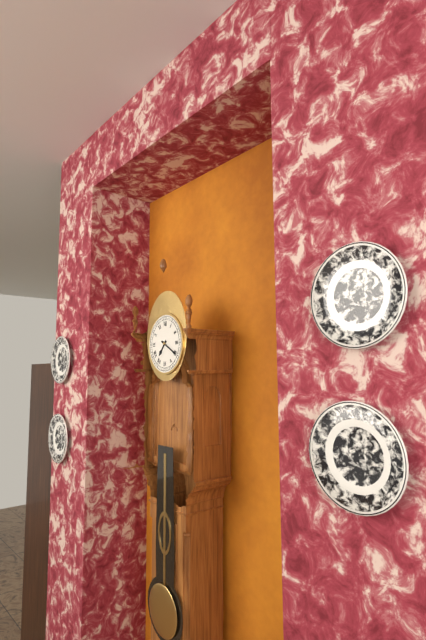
7h20
